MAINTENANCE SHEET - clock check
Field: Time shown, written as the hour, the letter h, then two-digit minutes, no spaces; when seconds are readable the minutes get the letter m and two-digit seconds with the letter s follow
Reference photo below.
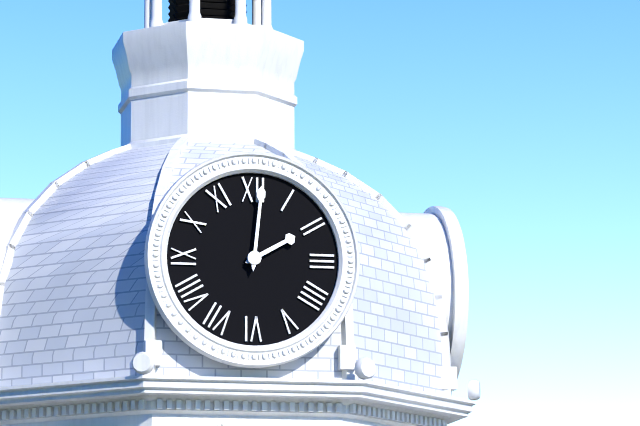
2h01
